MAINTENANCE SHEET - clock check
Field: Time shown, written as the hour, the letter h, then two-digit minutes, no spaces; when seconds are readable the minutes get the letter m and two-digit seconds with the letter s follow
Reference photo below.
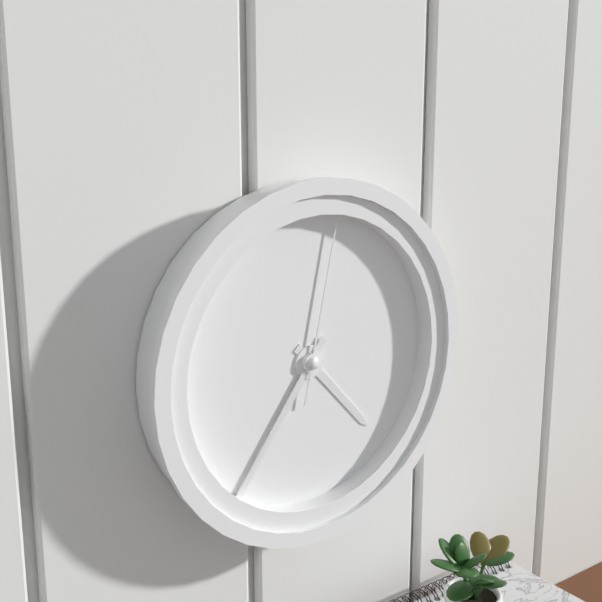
4h36m02s
